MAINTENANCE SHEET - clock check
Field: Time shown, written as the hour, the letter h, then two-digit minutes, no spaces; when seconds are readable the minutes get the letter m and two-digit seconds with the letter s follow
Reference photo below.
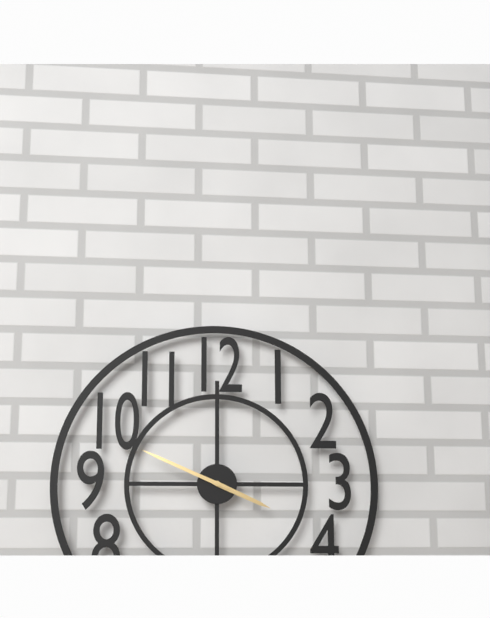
3h49
